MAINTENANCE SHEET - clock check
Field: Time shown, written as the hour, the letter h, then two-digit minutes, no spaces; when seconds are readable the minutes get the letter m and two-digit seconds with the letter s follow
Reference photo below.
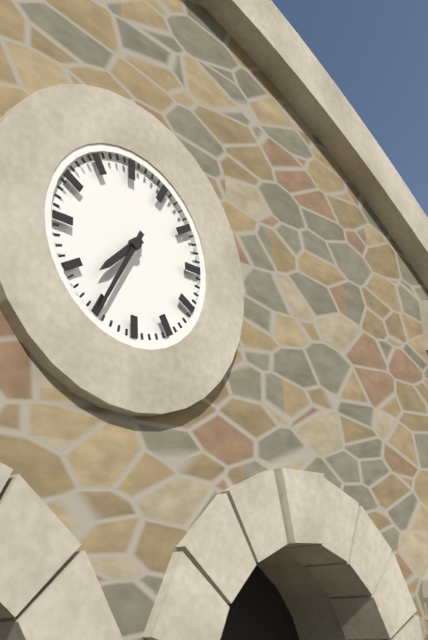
7h35
